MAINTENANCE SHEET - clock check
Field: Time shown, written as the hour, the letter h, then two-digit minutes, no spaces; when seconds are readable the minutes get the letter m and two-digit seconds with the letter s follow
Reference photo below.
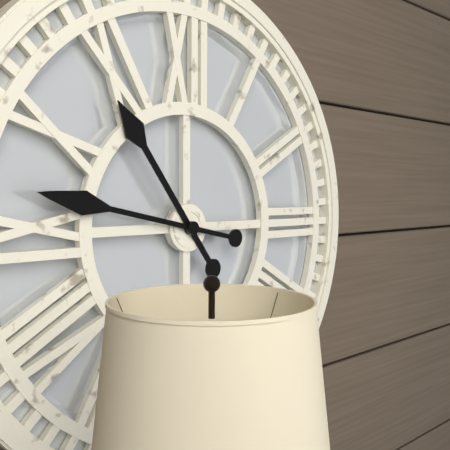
10h47
